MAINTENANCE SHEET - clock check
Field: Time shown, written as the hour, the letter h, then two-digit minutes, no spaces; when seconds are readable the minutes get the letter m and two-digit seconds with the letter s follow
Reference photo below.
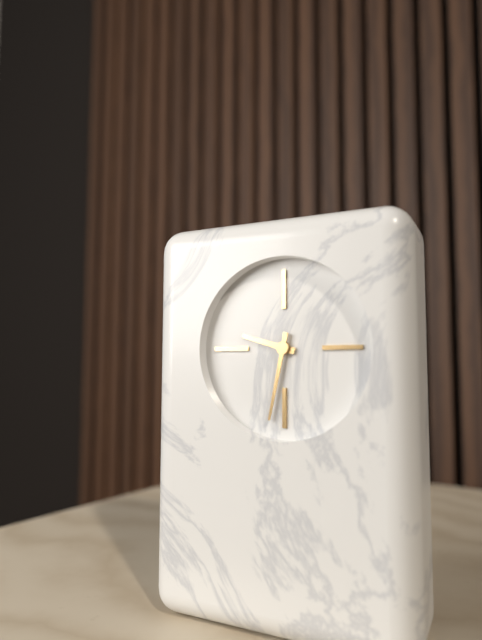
9h32
